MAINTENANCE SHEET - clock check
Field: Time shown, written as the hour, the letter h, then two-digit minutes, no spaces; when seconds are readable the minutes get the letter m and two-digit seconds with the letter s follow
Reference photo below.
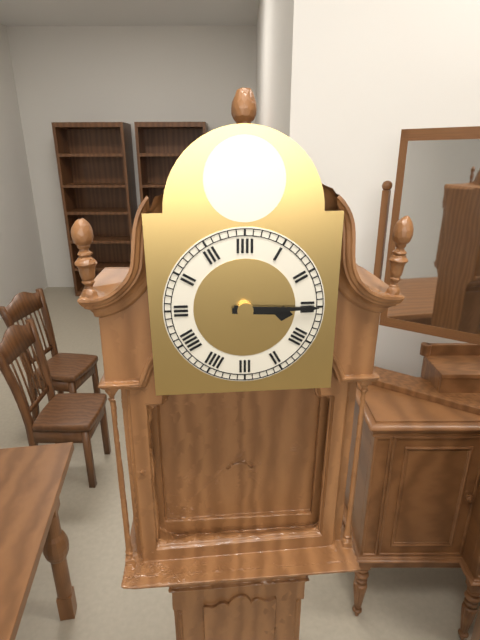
3h15
